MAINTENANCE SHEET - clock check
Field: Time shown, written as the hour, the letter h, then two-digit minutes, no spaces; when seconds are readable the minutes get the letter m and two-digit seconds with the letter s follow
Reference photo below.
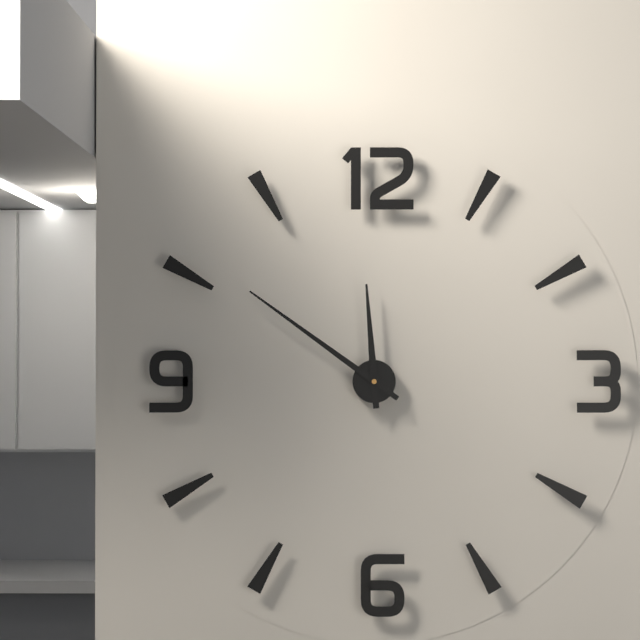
11h51
